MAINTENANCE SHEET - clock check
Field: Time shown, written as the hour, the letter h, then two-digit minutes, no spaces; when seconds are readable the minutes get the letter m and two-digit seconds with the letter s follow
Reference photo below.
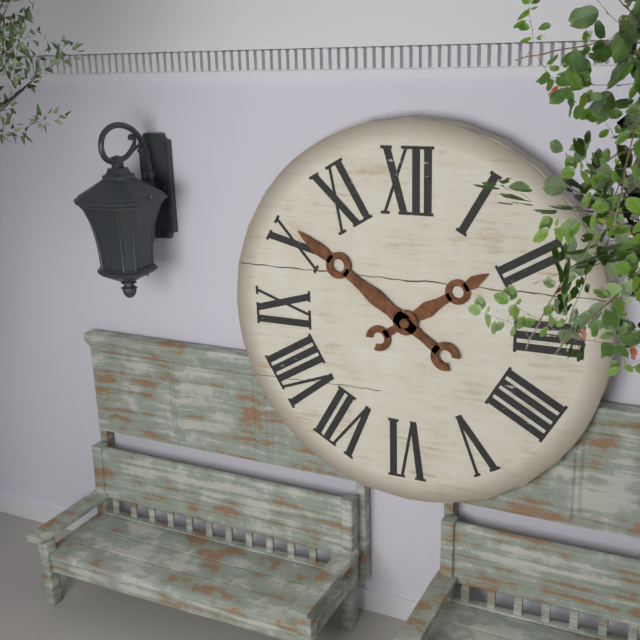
1h51
